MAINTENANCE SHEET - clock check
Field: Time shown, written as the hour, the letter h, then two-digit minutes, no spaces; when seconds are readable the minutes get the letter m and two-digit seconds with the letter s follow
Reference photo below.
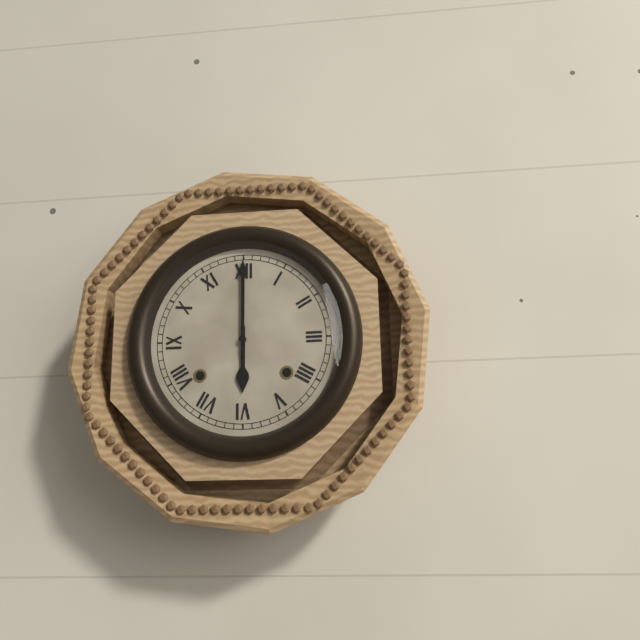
6h00
